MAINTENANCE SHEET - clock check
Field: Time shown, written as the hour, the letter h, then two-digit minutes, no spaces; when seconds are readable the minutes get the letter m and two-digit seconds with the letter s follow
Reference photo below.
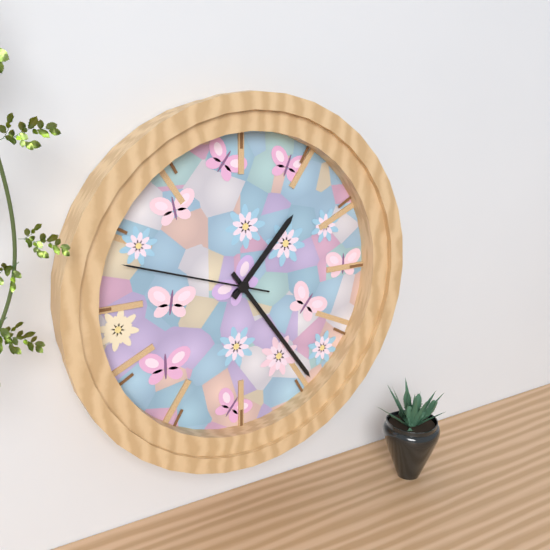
1h24m48s
